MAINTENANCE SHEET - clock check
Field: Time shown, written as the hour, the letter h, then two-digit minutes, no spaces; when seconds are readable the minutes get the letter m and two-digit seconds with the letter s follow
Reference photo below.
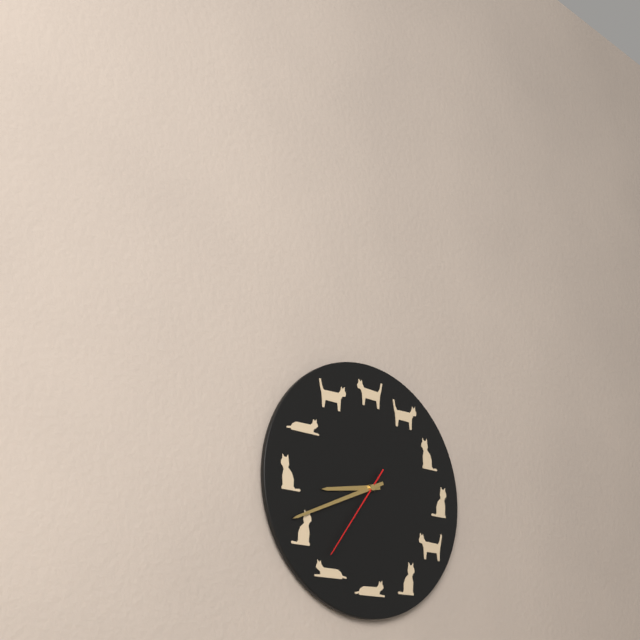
8h41m36s
